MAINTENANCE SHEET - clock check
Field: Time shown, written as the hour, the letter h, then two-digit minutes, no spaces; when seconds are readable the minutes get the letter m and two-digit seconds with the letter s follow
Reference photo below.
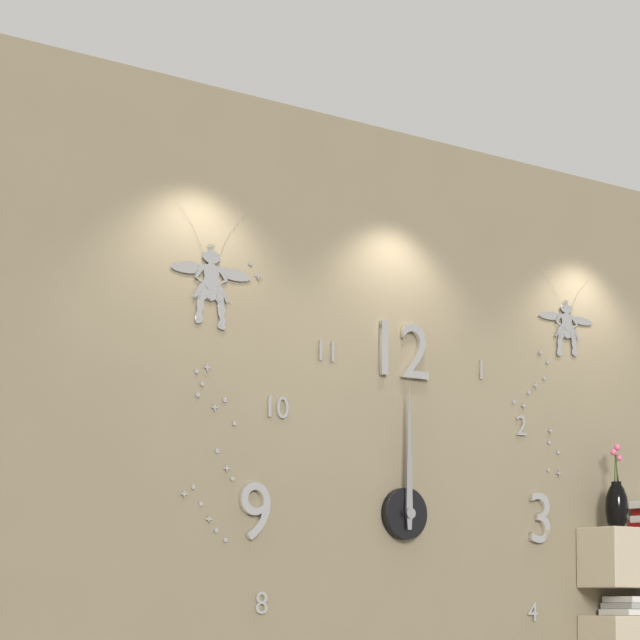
12h00
